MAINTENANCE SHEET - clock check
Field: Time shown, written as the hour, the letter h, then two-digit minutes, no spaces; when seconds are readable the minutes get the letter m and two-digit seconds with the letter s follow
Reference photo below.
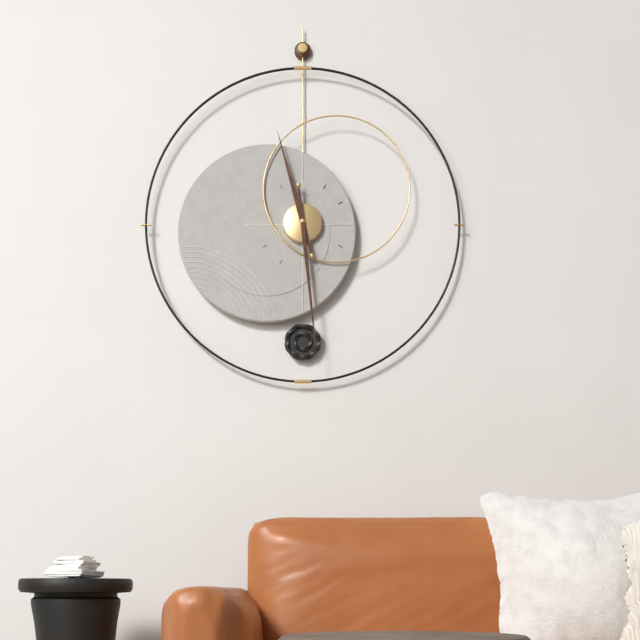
11h29
